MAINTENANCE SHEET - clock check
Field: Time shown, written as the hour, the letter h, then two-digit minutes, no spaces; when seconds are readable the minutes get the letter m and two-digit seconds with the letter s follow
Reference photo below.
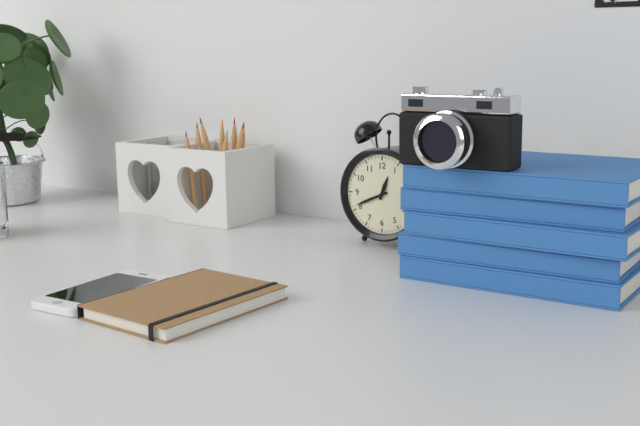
12h41
